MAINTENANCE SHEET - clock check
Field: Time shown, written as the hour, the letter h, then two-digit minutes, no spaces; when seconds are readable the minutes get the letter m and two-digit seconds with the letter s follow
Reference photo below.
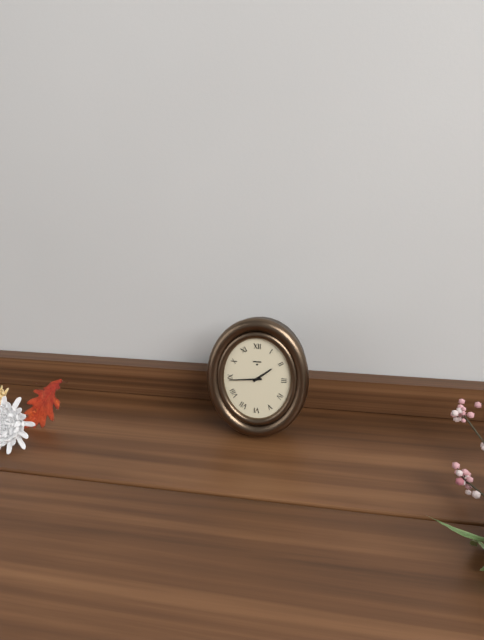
1h44
